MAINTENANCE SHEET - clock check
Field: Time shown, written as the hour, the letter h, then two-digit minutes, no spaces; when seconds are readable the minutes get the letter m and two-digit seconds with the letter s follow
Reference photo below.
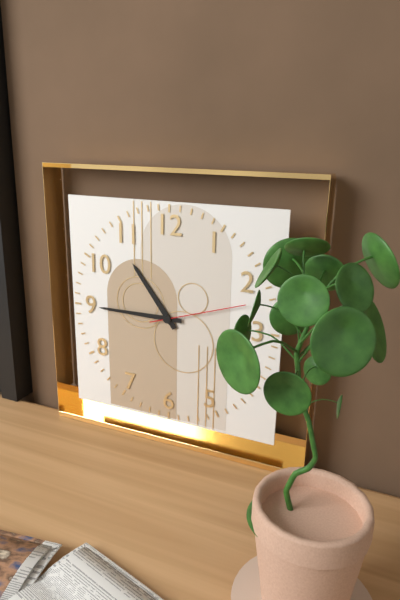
10h45m12s
